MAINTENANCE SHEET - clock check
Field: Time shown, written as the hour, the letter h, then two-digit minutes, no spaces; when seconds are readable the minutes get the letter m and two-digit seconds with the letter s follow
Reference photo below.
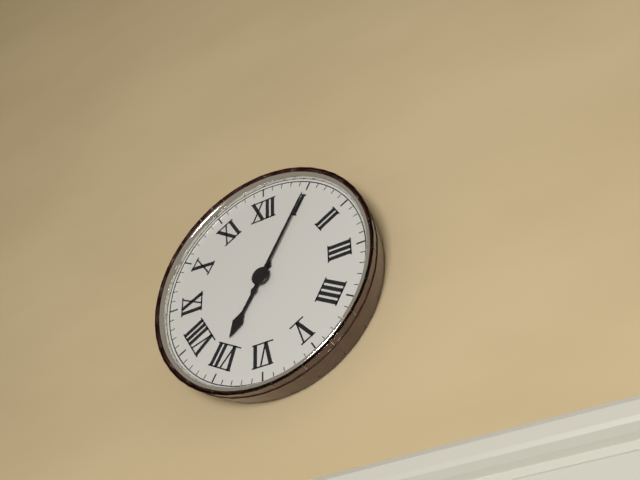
7h05
